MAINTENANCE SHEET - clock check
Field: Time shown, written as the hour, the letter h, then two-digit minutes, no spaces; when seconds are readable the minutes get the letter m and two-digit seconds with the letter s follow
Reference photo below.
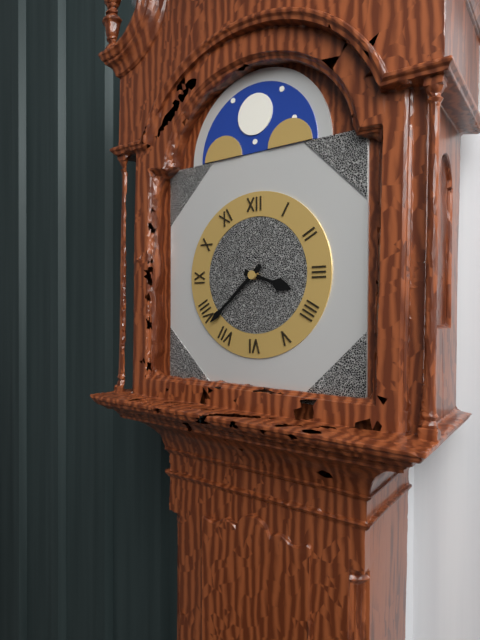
3h38
